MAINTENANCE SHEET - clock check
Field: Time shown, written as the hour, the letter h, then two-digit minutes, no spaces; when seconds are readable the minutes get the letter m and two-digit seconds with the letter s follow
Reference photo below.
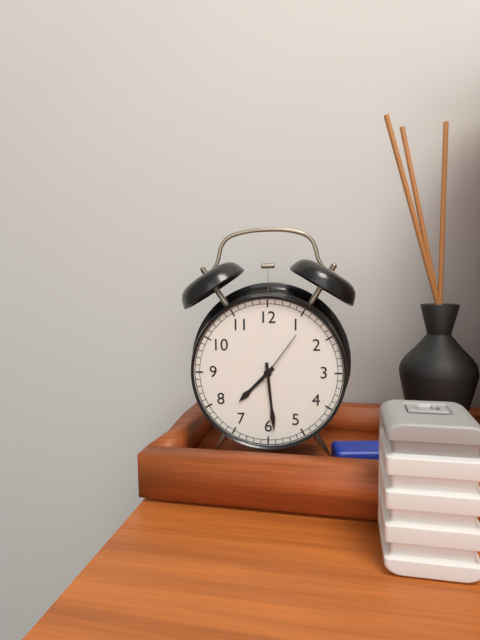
7h29m06s
